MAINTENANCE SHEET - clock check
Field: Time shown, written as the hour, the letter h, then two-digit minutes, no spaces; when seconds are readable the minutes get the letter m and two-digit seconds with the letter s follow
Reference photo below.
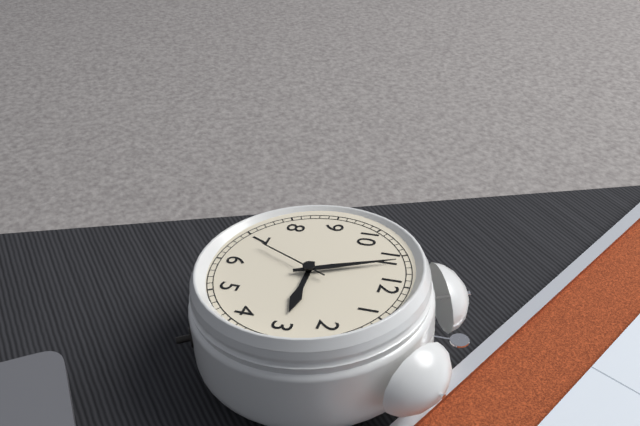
2h56m34s
